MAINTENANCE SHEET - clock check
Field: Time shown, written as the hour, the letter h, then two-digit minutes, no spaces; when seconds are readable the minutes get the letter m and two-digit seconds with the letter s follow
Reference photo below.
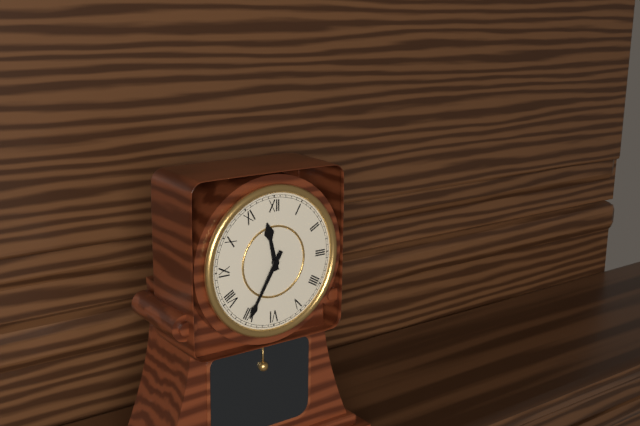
11h35
